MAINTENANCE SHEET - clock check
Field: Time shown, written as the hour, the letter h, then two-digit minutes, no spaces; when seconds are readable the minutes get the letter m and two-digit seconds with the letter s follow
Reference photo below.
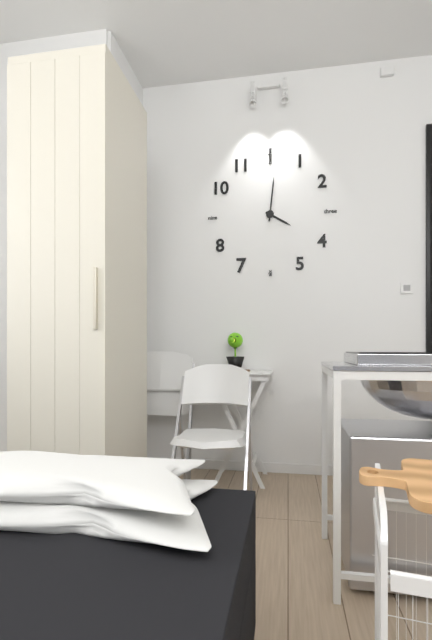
4h01
